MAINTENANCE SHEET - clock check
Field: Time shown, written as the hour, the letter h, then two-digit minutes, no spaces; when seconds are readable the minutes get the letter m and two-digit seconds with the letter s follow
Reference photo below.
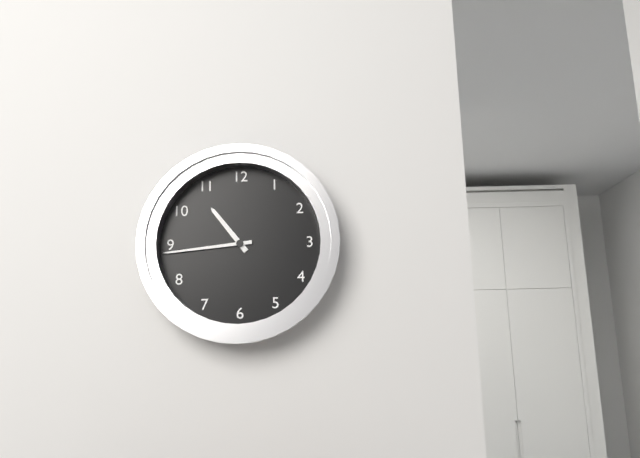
10h44
